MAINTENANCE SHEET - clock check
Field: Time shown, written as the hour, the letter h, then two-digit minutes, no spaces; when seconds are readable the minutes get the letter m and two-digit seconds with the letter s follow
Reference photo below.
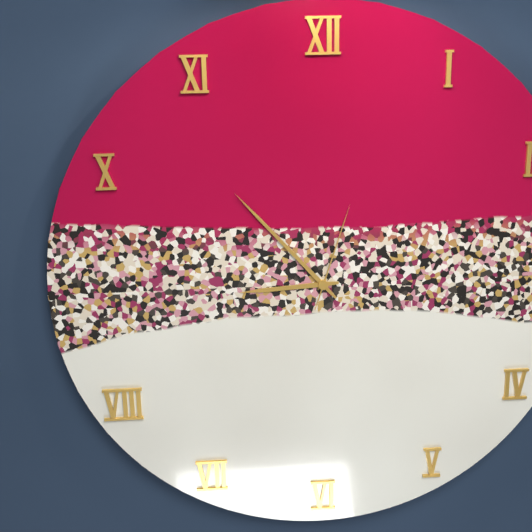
8h53m03s
